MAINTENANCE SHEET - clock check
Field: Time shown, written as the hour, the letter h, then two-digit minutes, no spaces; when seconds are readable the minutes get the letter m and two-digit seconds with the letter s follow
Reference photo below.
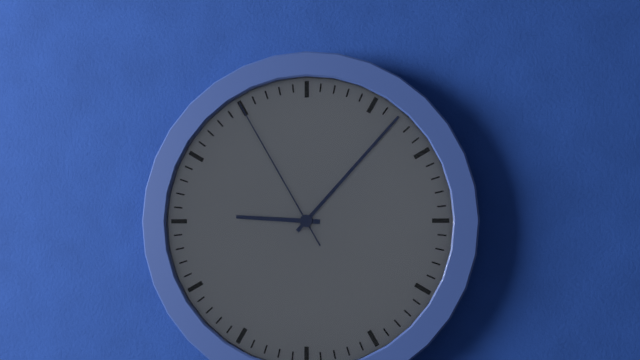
9h07m55s
